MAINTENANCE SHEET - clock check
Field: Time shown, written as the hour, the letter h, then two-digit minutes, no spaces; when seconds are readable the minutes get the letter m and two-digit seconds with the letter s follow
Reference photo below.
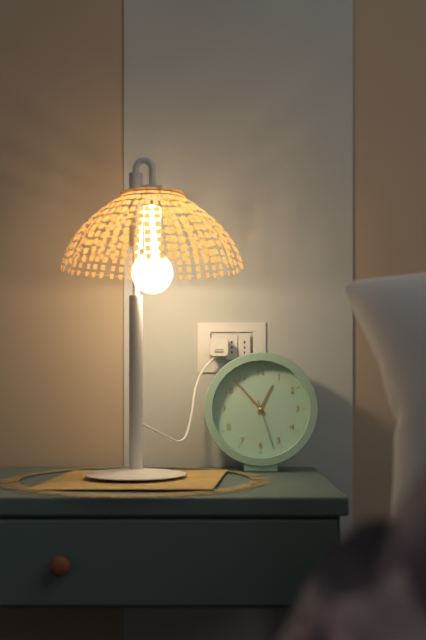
12h53m27s
